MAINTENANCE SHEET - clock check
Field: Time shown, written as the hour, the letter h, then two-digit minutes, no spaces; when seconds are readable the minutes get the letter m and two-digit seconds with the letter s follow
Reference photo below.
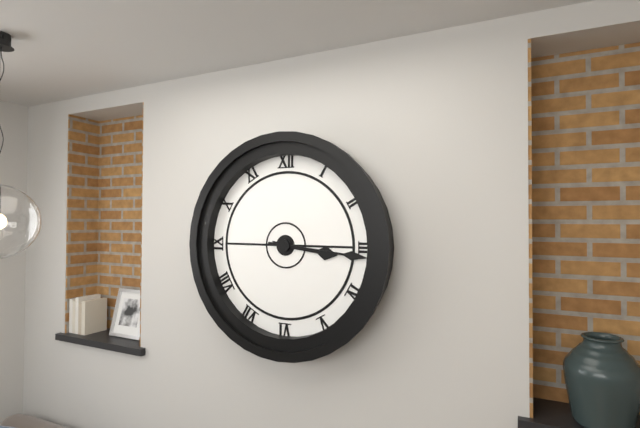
3h16
